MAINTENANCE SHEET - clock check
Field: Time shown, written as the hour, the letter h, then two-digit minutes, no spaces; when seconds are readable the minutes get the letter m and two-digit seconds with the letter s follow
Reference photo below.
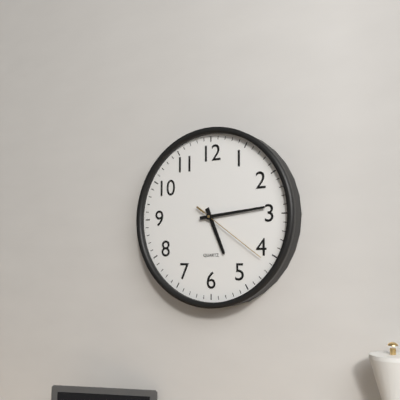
5h14m21s
